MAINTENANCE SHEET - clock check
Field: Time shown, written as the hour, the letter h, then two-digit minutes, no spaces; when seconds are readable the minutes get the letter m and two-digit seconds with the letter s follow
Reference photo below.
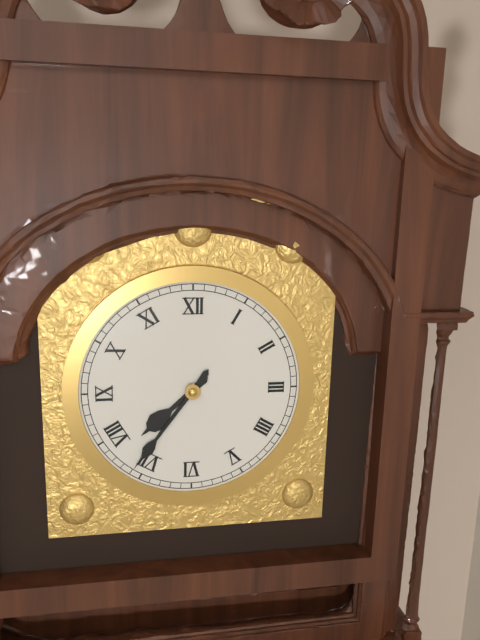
7h36
